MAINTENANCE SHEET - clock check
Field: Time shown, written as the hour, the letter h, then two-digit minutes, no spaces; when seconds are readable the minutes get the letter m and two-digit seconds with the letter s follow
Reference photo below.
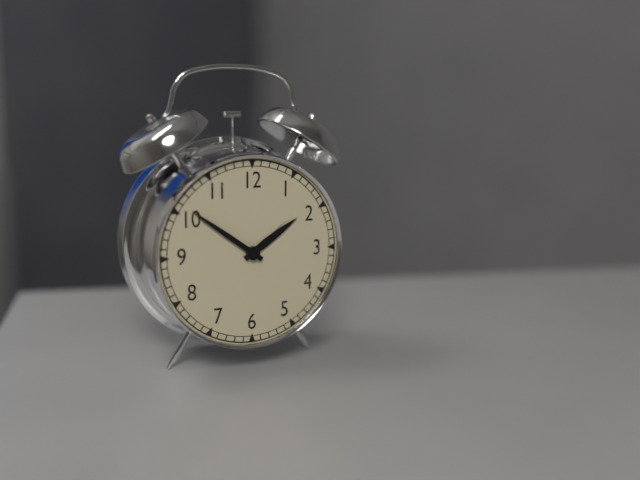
1h51
